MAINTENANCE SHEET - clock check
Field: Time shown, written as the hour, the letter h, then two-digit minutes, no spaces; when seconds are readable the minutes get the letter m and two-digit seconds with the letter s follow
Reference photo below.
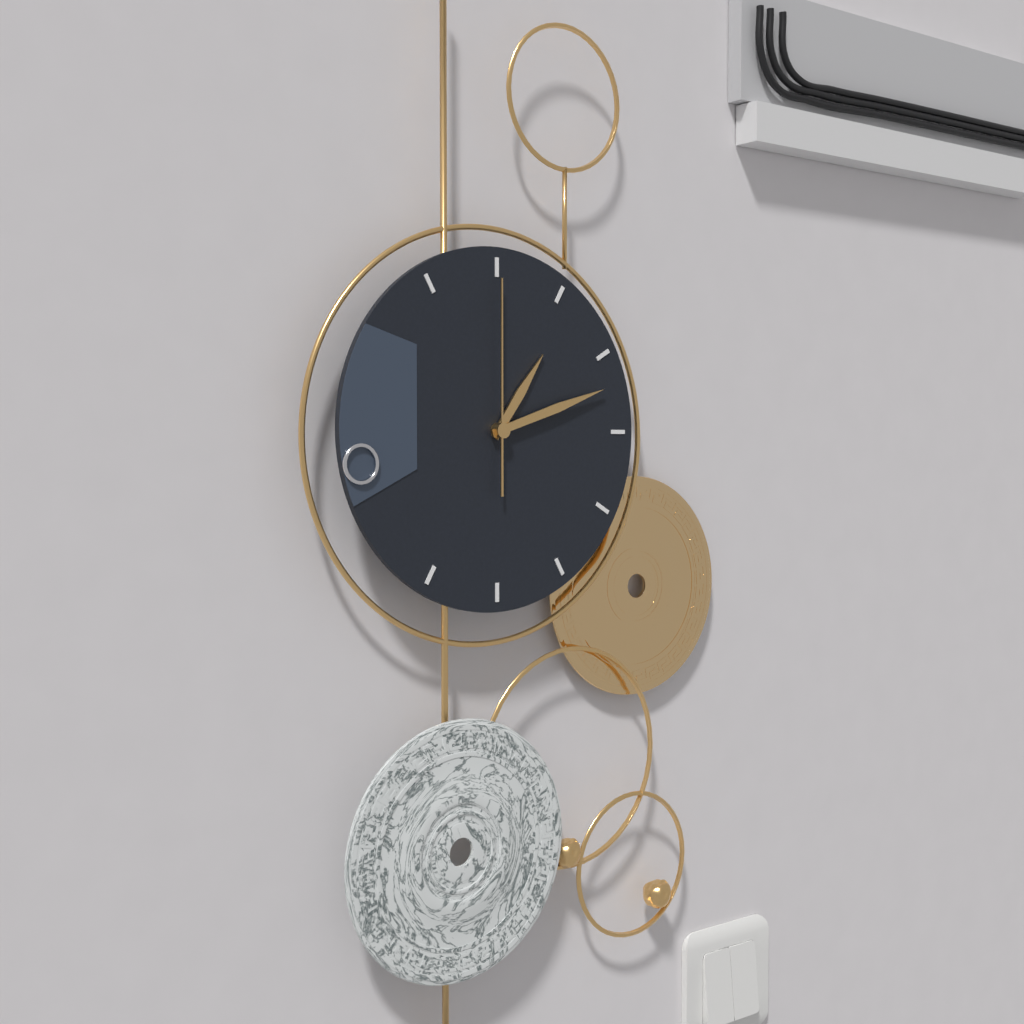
1h12m00s
